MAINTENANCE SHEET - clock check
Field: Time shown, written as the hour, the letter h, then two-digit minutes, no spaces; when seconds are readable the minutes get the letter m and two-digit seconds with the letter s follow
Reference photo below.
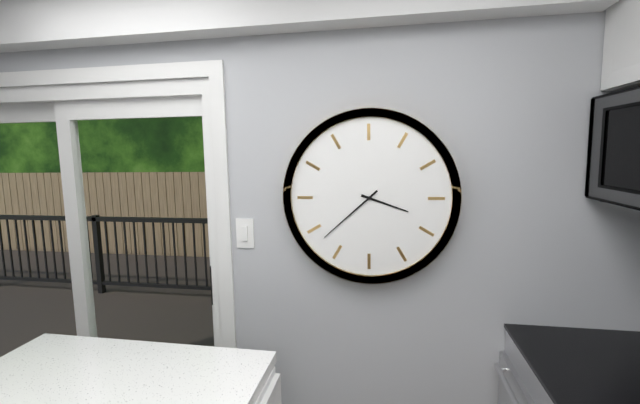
3h38
